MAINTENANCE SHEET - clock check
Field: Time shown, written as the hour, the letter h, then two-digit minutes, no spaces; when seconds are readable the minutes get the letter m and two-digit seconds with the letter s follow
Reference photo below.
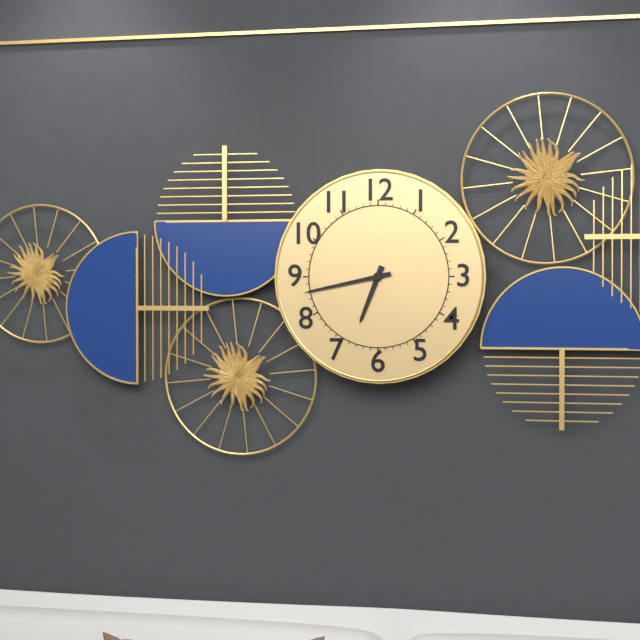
6h43
